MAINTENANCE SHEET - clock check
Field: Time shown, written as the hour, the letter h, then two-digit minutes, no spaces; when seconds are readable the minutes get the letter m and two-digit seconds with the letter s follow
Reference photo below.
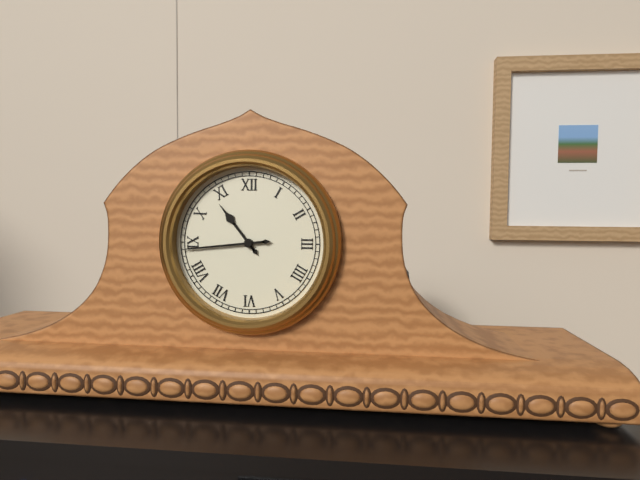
10h44
